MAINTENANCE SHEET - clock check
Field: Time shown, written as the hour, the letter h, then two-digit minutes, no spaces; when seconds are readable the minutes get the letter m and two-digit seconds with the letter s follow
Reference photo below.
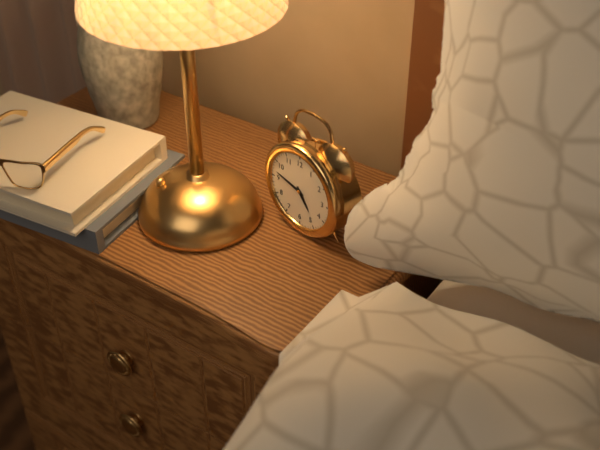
4h47
